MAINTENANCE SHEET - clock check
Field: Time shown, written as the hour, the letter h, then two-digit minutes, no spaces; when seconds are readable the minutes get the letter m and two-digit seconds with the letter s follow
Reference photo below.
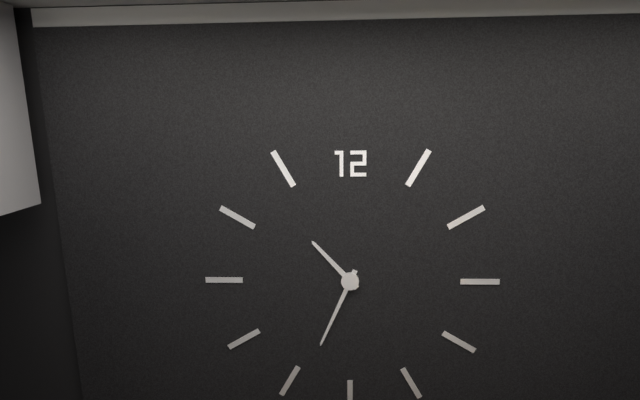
10h34
